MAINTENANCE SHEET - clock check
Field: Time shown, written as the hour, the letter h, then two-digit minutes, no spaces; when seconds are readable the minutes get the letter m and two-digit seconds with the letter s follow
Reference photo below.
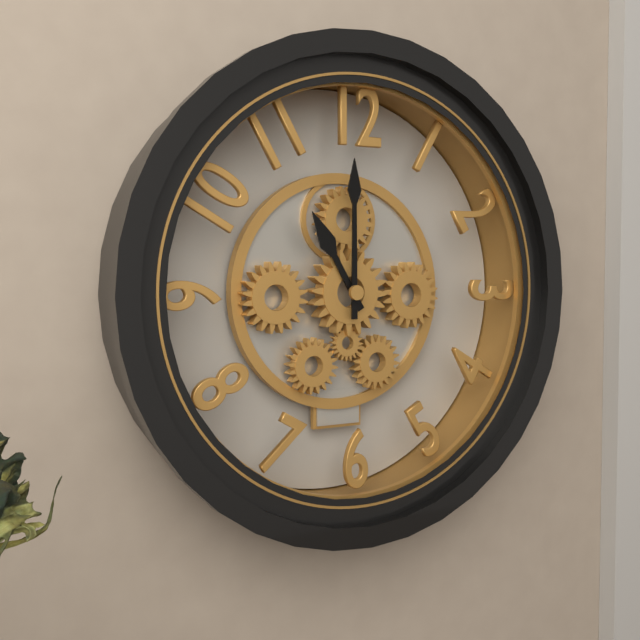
11h00
